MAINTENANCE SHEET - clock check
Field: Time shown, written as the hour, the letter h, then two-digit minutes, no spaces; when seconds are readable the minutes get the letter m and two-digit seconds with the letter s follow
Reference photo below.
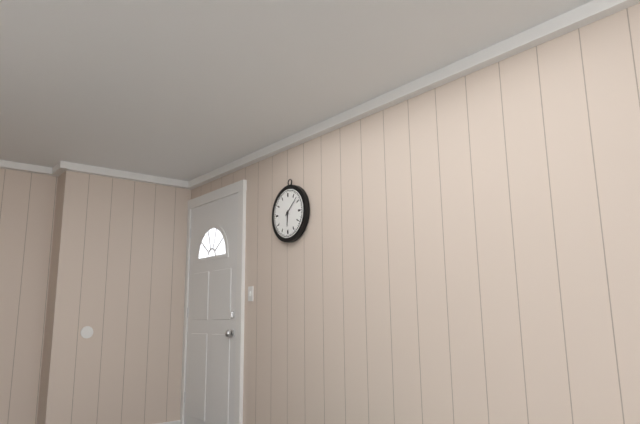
6h08
